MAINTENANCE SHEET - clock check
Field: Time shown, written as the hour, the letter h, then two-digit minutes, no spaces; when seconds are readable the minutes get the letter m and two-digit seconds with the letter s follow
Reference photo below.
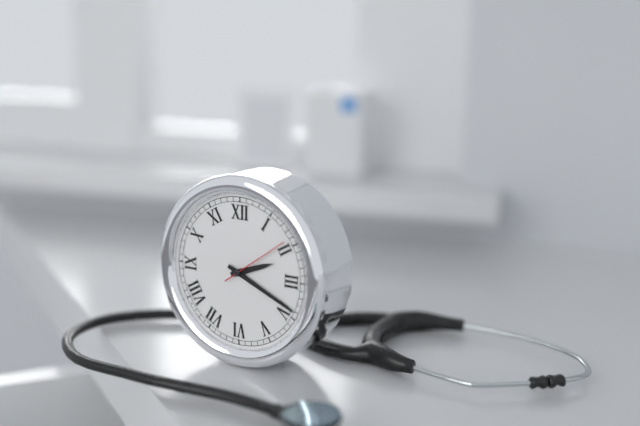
2h19m09s
